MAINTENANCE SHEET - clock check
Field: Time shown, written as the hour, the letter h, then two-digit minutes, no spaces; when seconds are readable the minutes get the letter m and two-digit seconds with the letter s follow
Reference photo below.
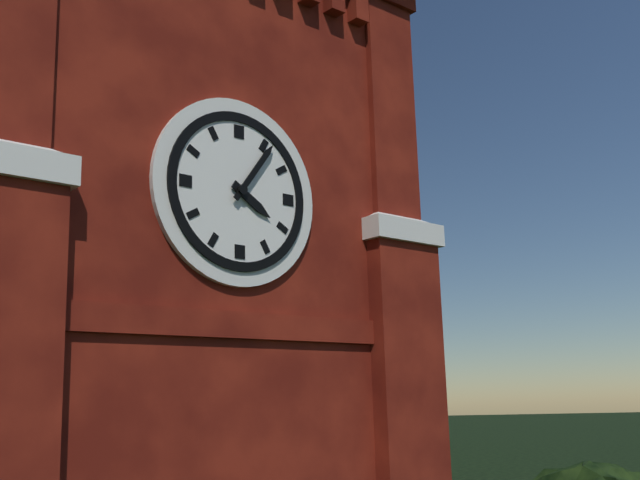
4h06
